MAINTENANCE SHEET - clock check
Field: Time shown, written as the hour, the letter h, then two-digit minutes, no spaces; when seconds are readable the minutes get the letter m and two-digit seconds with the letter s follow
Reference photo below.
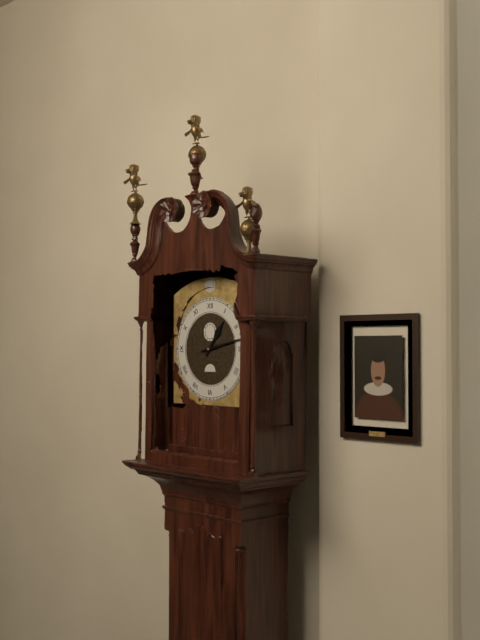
1h13
